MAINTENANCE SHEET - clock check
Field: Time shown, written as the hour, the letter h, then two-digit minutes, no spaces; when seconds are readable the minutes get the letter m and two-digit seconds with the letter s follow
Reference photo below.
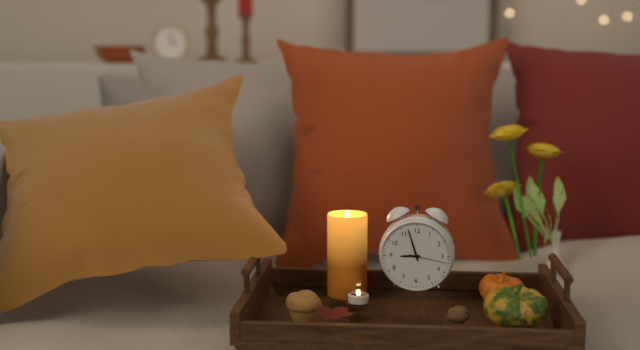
8h57
